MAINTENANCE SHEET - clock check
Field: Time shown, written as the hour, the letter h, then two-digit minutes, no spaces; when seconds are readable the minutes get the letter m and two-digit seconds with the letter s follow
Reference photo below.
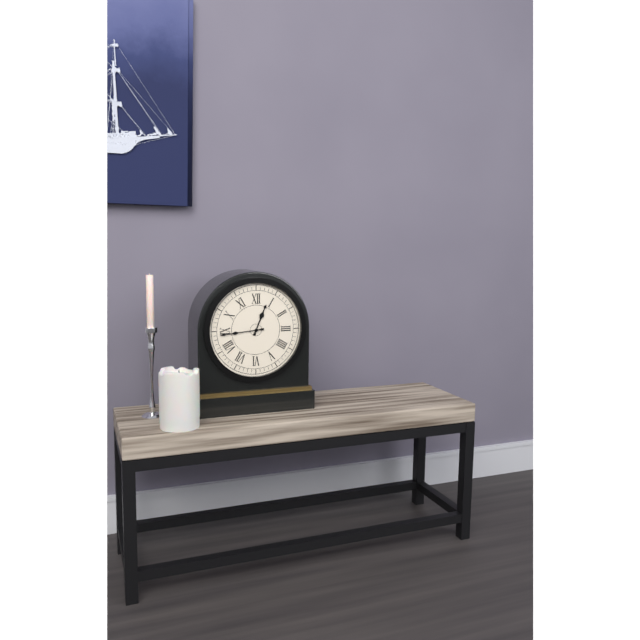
12h44
